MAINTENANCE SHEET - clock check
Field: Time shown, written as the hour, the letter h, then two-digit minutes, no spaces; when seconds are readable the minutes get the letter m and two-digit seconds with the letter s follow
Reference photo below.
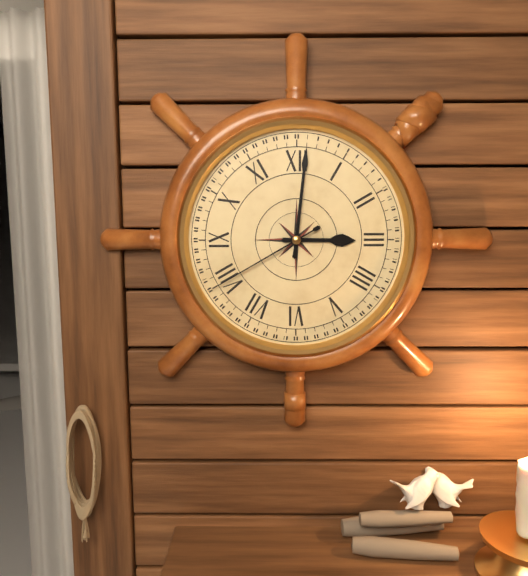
3h01m40s
